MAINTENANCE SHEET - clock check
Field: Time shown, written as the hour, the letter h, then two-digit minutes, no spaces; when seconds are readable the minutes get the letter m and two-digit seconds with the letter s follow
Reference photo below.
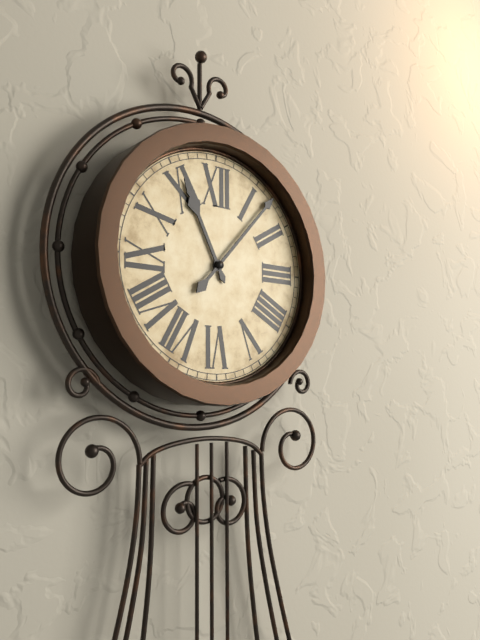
11h07
